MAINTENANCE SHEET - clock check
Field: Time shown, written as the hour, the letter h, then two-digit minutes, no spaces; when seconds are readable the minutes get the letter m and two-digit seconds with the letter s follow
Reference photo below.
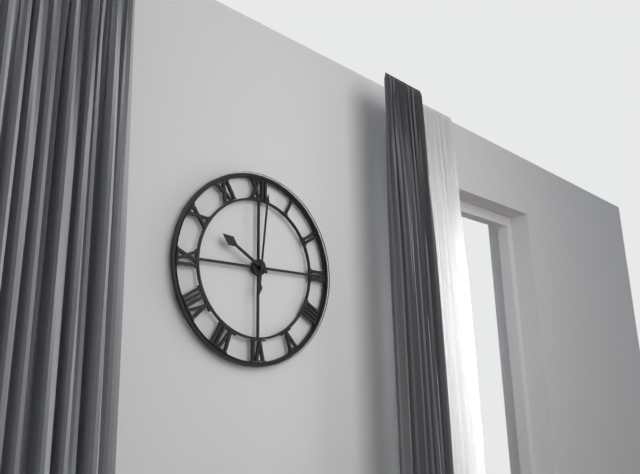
10h01
